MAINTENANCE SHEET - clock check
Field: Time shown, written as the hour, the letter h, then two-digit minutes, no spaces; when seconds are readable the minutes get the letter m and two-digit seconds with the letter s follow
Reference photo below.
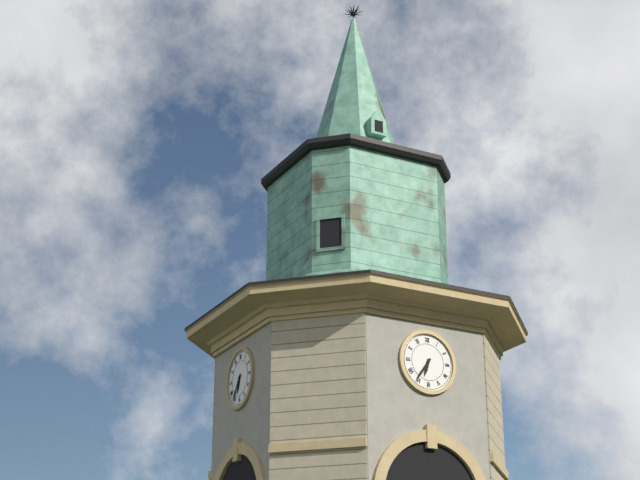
6h36
